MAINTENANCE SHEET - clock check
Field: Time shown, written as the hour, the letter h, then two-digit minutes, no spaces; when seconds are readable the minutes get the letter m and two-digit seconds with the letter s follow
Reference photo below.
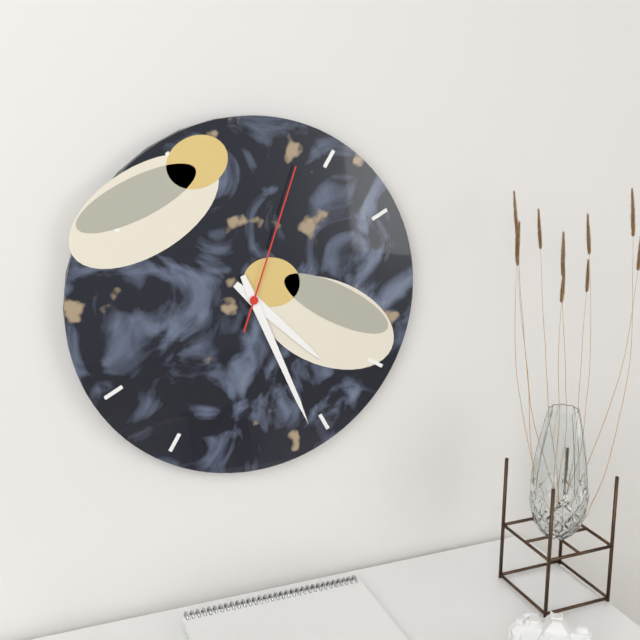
4h26m03s
